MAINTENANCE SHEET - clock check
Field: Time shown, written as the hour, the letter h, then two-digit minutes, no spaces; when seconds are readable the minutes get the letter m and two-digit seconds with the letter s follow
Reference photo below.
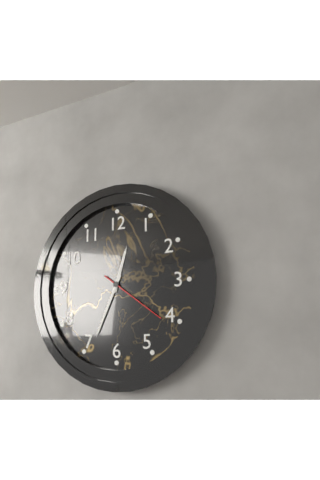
12h34m21s
